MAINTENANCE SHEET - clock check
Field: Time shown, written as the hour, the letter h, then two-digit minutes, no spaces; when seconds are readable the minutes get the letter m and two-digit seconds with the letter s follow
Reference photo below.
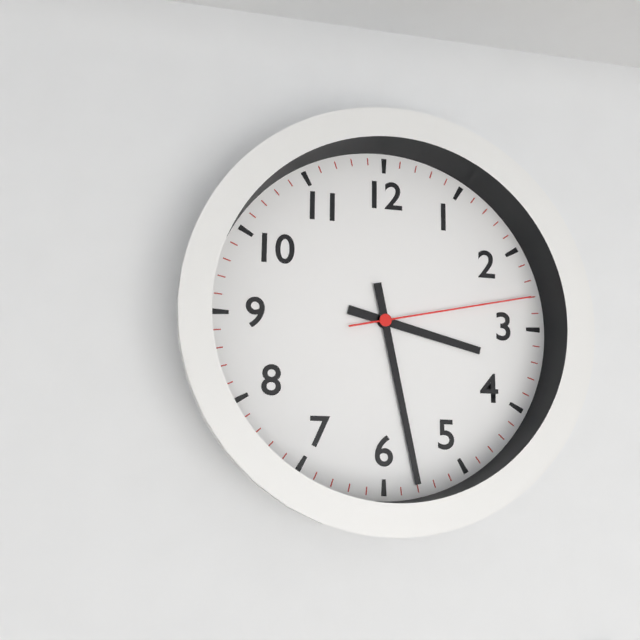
3h28m13s
